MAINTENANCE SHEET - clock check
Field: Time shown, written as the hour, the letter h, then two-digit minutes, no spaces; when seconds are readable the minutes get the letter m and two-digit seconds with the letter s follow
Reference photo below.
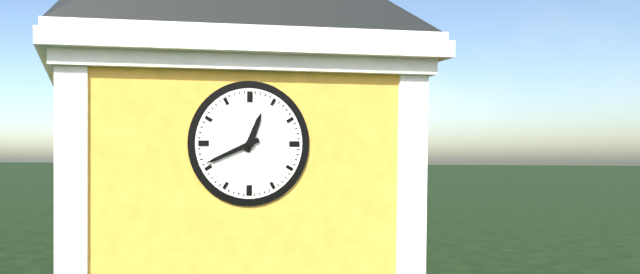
12h41
